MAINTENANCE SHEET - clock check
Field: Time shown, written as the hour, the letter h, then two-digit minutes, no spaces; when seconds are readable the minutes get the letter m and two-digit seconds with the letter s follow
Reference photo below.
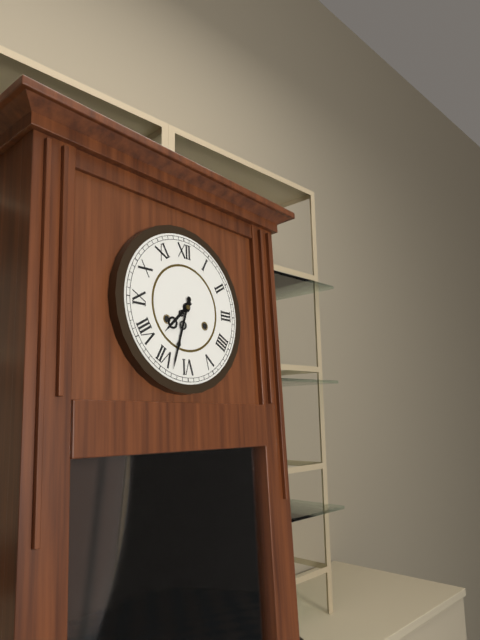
7h33
